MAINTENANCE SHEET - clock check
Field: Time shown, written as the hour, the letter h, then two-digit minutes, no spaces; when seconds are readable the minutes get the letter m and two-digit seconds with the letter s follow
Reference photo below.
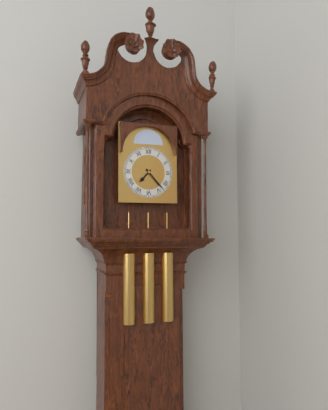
7h23
